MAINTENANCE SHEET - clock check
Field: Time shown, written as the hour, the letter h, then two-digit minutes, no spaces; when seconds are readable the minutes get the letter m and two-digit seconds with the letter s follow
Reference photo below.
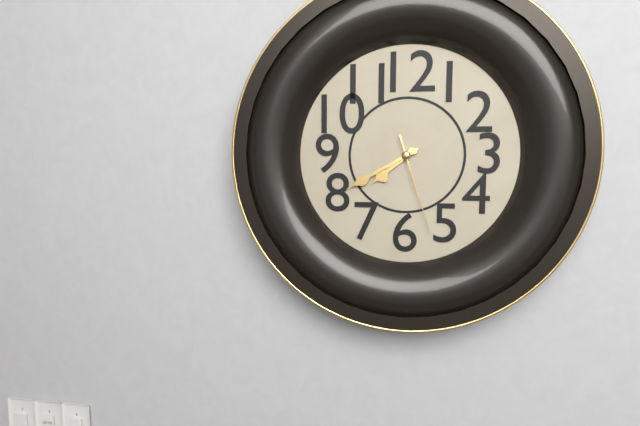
7h40m27s
